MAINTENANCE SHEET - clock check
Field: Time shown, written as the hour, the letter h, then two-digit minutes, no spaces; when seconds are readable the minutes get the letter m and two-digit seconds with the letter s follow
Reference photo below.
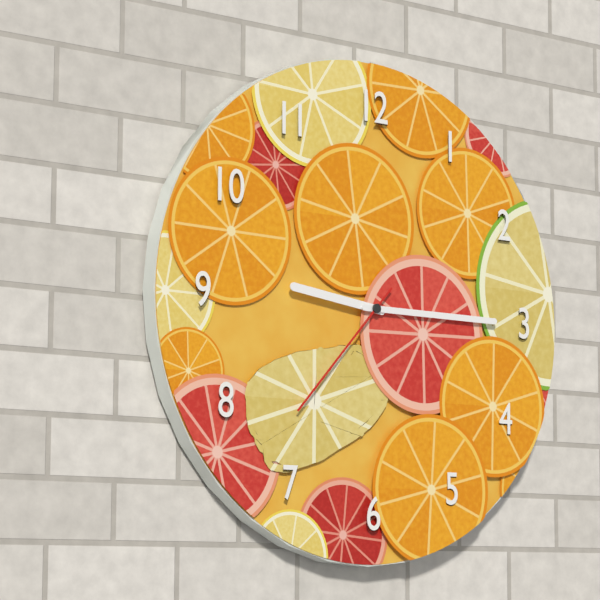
9h15m37s
